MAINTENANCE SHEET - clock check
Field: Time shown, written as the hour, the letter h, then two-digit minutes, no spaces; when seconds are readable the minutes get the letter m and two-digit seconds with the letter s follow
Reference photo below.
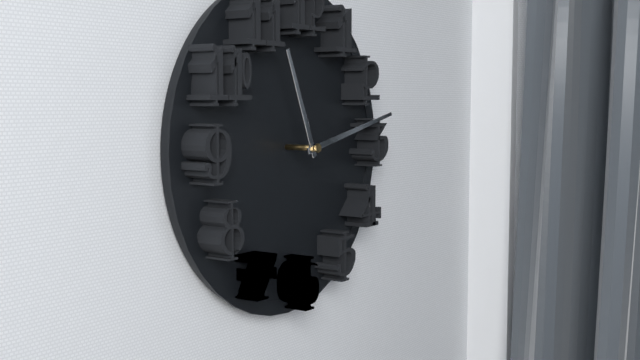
11h13
